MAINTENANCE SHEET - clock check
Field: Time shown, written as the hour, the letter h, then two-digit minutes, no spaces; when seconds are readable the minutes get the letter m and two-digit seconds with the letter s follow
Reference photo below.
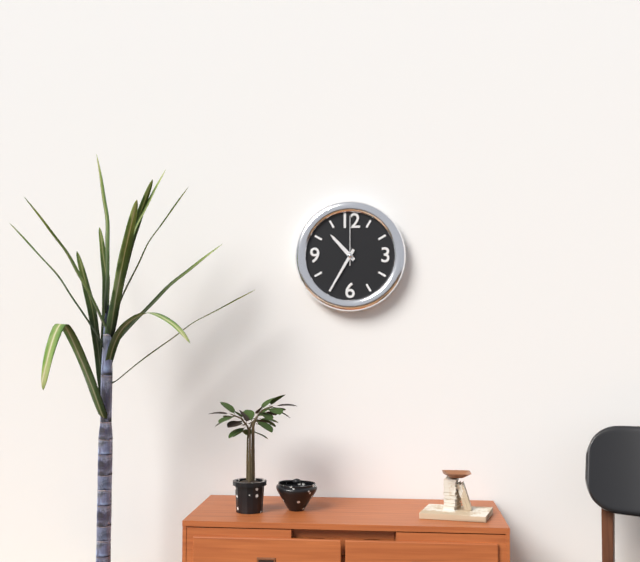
10h35m00s
